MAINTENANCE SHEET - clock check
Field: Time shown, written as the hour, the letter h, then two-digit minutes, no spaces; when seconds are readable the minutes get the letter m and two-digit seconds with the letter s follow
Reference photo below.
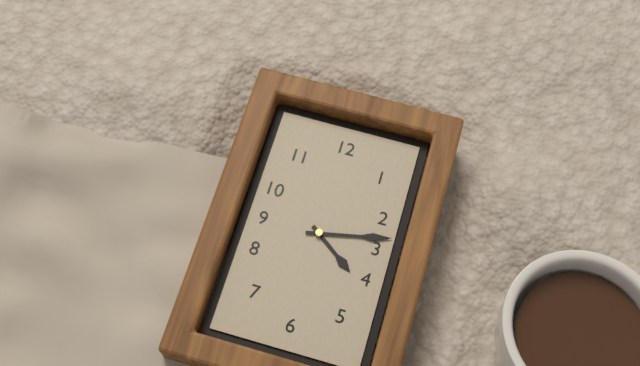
4h13
